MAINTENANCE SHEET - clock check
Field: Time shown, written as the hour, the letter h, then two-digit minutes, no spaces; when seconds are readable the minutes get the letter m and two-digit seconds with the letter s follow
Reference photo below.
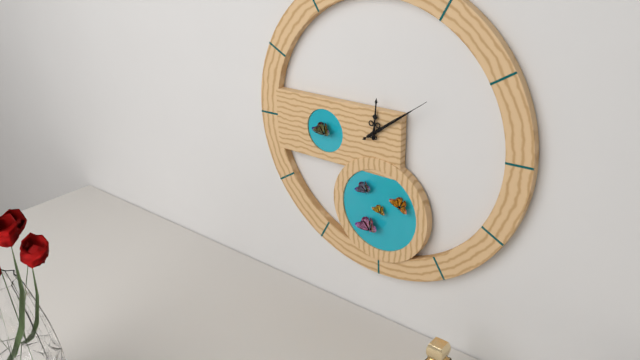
12h09m09s
